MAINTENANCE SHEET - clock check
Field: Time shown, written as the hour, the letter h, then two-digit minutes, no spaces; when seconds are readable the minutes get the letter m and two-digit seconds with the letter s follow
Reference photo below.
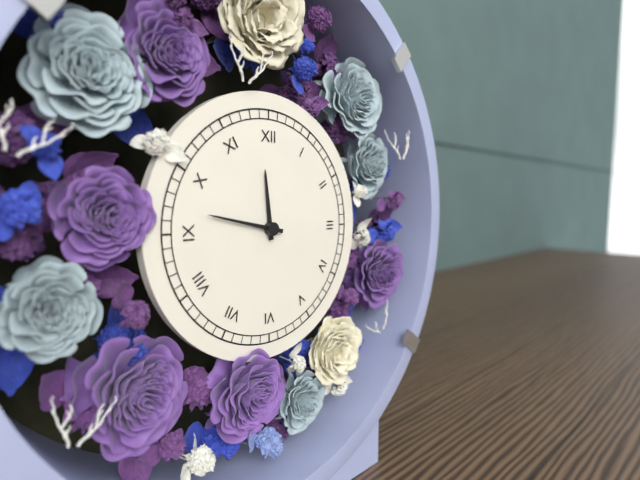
11h47
